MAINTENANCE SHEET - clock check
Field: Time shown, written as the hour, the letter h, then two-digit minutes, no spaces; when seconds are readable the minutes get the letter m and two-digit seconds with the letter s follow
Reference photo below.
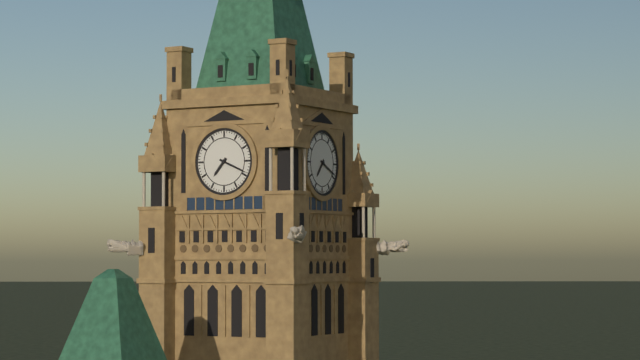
7h19
